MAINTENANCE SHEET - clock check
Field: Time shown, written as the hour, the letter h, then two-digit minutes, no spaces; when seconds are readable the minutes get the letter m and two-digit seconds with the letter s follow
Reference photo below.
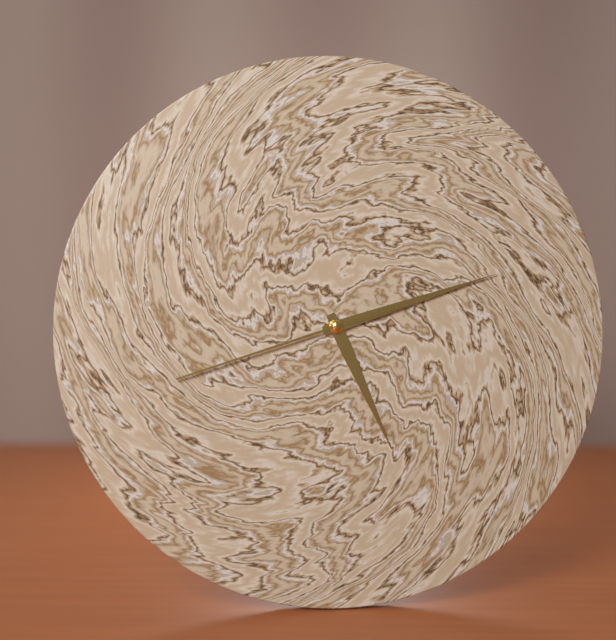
5h12m42s
